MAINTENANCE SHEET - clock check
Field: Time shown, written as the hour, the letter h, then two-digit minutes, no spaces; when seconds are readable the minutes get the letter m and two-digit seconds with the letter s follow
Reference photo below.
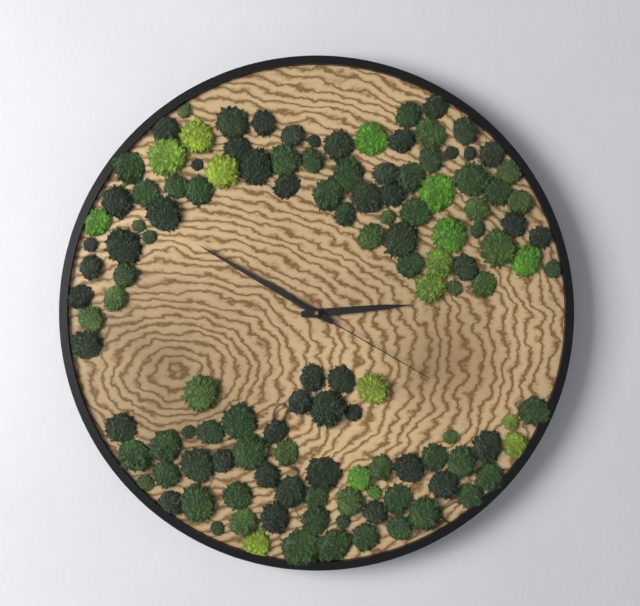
2h50m20s
